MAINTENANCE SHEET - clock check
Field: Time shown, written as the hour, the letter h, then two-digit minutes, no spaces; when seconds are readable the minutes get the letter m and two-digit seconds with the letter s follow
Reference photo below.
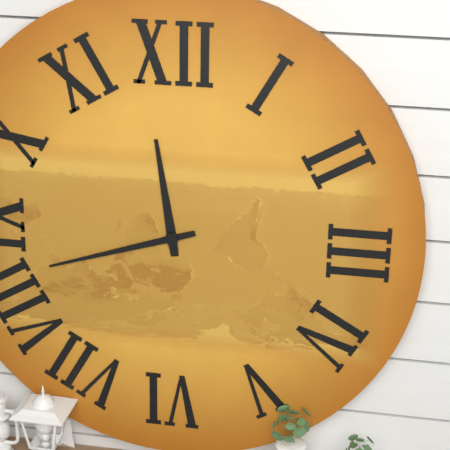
11h42
